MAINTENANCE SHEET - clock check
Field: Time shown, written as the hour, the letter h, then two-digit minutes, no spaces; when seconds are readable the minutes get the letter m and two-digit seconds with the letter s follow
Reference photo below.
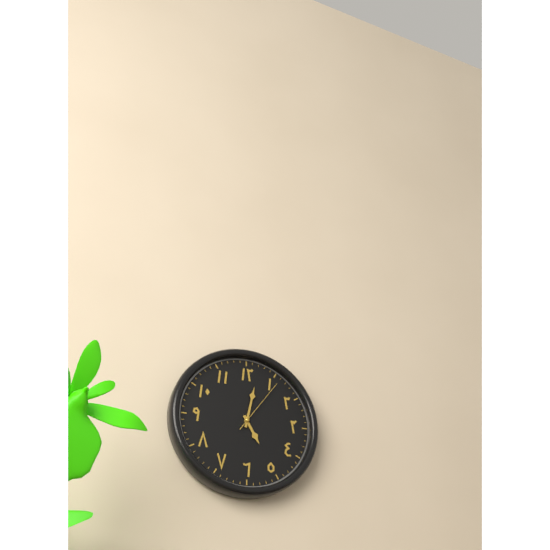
5h02m06s
